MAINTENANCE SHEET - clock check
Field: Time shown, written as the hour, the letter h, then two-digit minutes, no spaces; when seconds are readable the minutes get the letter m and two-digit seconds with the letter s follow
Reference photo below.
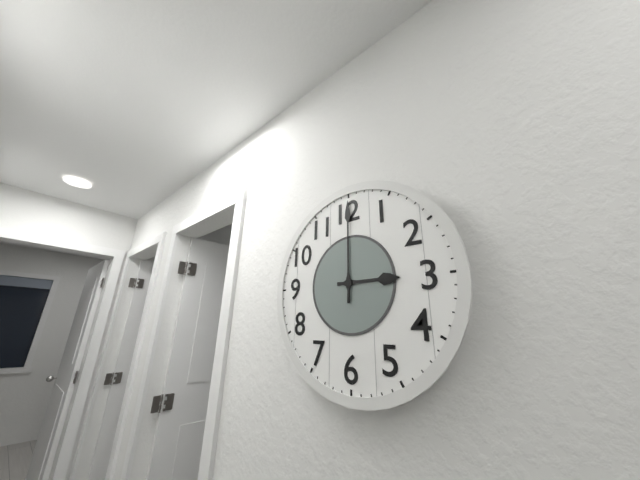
3h00
